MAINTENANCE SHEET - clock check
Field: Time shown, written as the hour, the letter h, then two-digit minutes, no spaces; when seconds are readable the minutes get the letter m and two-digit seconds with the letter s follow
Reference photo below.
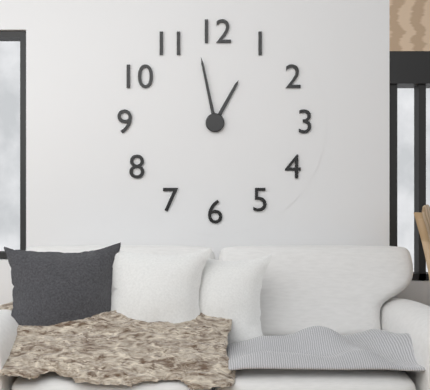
12h58
